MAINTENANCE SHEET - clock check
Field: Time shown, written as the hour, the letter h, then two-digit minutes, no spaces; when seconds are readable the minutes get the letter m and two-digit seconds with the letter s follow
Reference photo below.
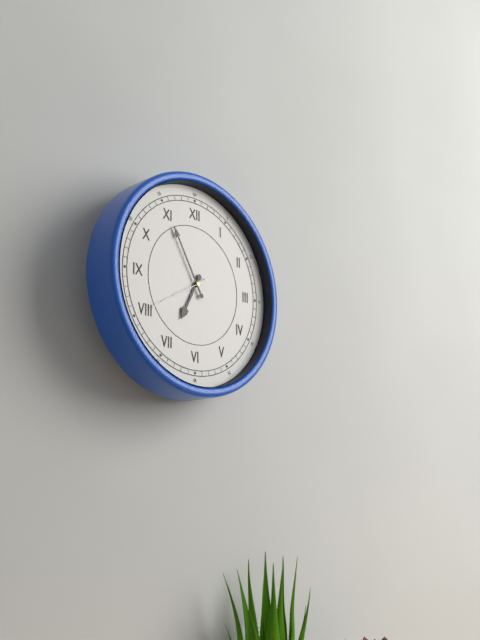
6h55m40s
